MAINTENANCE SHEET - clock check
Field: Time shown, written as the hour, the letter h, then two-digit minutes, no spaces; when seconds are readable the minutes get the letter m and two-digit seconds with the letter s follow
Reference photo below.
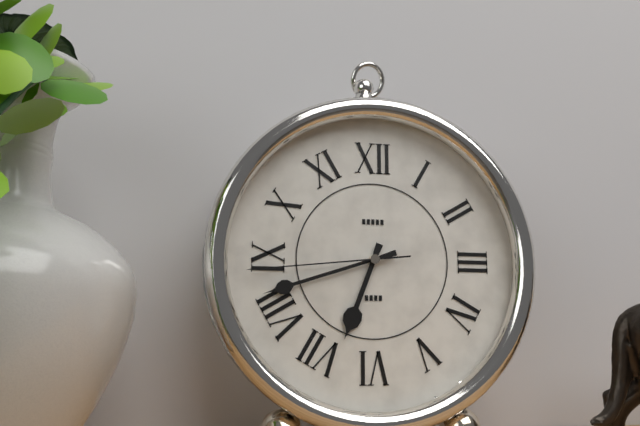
6h42m44s
